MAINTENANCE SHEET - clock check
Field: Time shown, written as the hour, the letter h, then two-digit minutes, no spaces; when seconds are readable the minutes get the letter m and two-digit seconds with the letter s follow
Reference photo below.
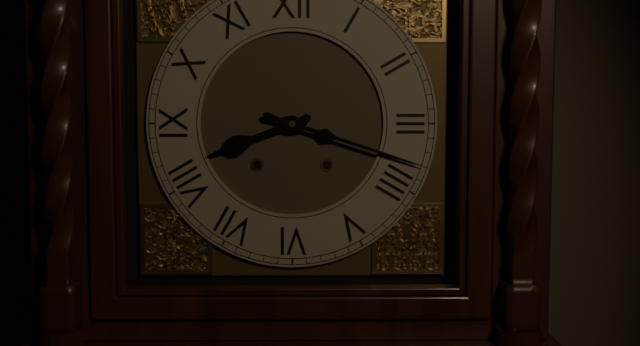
8h18
